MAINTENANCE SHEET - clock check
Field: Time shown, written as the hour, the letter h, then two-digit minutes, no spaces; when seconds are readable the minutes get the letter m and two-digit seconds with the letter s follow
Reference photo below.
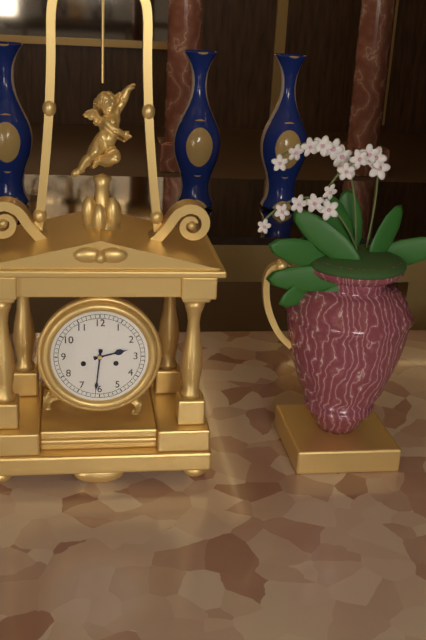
2h31
